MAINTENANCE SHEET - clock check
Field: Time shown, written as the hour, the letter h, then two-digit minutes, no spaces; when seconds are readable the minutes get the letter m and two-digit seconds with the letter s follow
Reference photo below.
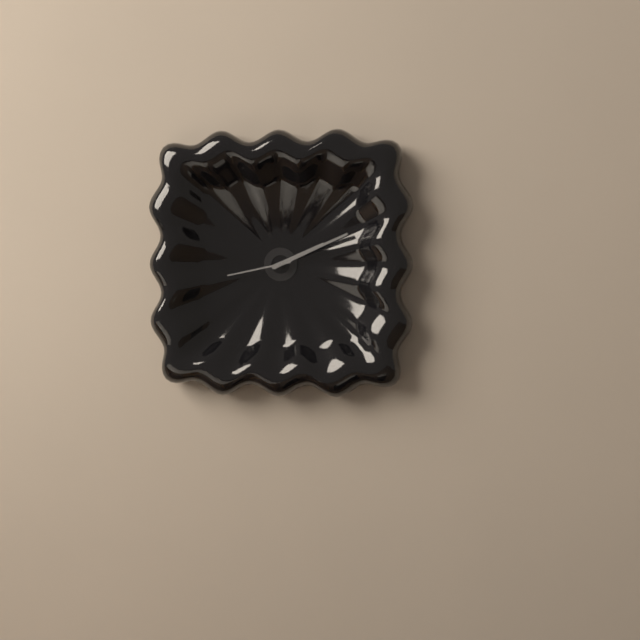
2h11m43s
